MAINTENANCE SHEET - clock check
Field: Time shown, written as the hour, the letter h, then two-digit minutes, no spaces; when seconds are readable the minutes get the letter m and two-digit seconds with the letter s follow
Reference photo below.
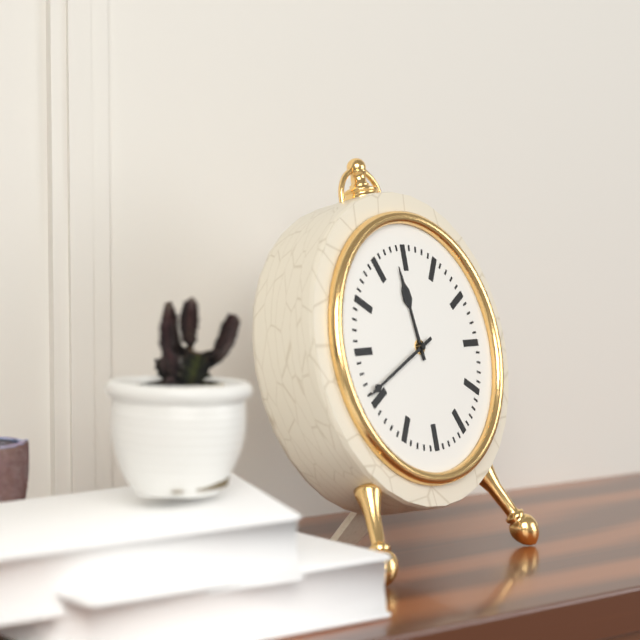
11h41
